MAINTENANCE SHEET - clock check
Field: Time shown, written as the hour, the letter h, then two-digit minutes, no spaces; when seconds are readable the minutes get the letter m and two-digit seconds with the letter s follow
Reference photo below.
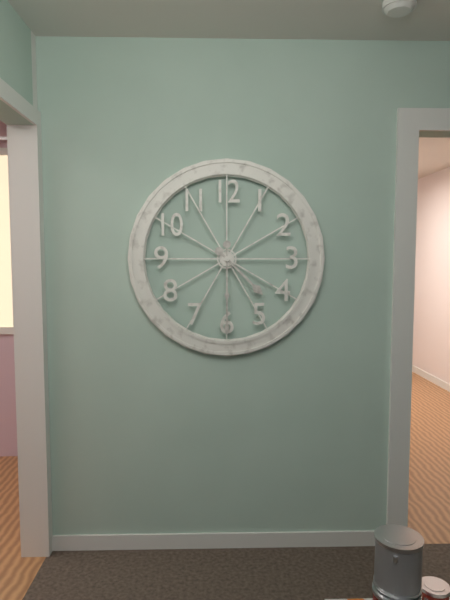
4h30
